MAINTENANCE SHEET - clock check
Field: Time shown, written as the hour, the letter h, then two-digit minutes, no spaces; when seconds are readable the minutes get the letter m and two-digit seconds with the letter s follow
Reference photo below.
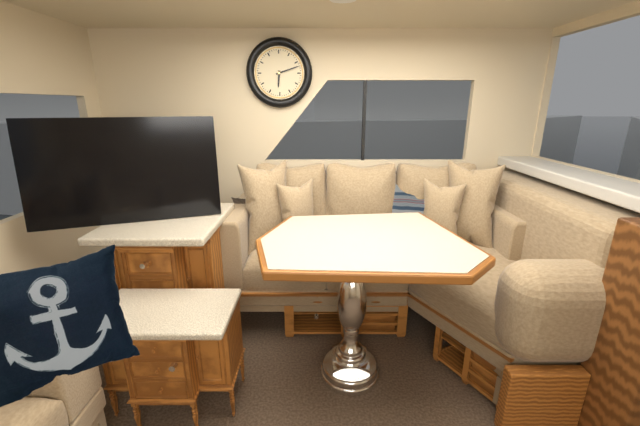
6h12
